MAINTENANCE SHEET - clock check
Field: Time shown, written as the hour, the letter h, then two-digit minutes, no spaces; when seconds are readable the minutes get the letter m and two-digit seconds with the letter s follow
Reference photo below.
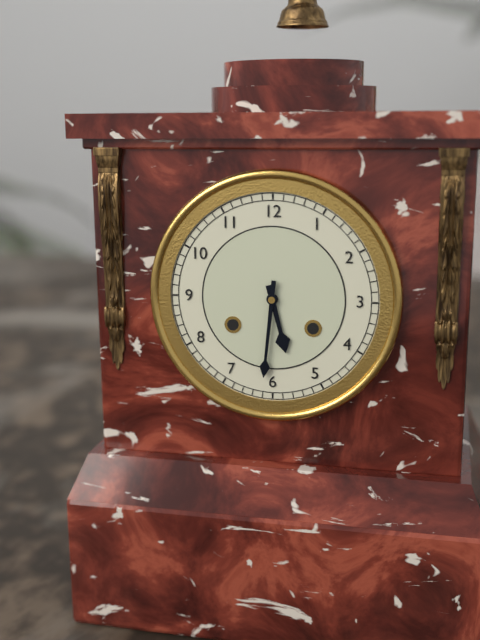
5h31
